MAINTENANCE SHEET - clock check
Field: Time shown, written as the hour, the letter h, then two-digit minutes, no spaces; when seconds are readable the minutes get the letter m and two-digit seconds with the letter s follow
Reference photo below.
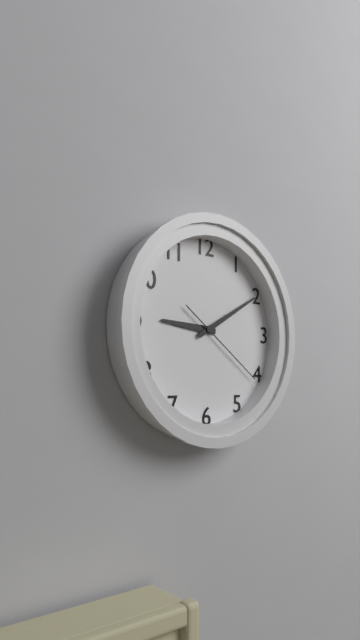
9h10m21s
